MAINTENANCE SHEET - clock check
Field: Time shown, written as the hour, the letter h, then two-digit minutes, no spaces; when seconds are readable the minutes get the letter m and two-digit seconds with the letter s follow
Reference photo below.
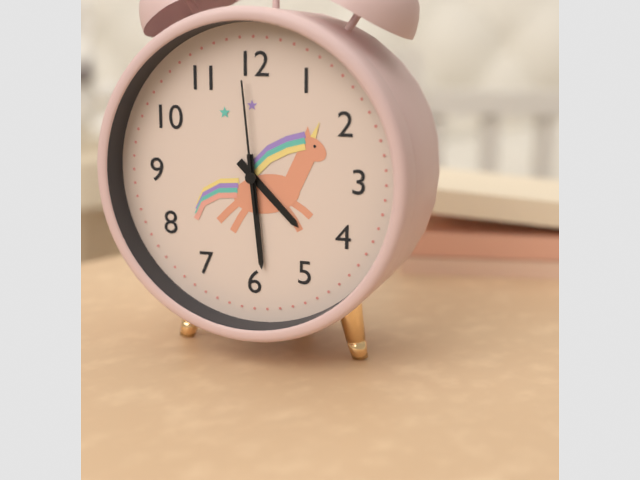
4h29m59s
